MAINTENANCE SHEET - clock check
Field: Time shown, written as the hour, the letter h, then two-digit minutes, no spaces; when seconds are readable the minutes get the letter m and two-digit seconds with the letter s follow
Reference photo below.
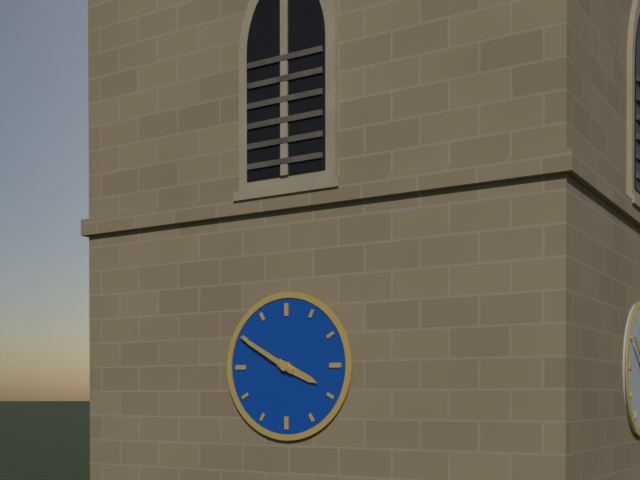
3h50
